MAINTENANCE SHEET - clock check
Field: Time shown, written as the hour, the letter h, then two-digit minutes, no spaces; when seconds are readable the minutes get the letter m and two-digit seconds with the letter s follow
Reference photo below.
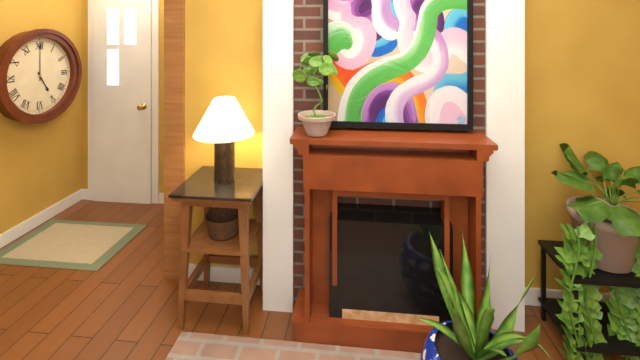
5h00
